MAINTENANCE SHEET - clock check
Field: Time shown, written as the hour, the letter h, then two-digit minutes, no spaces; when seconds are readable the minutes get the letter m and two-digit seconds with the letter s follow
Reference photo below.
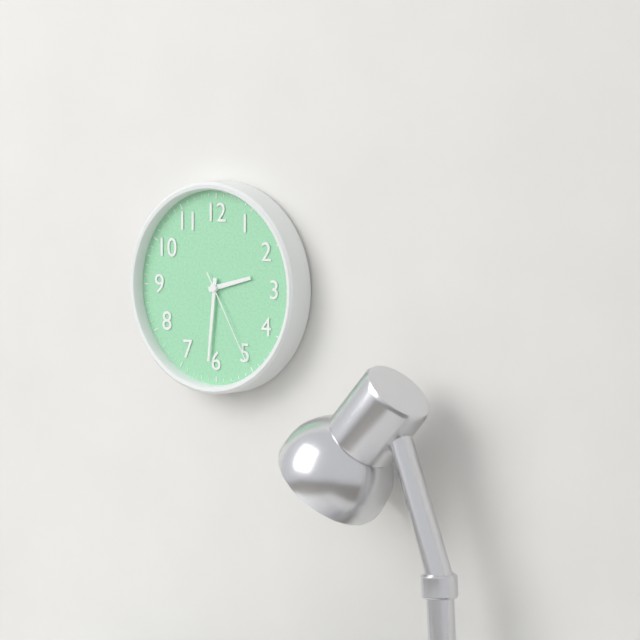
2h31m25s
